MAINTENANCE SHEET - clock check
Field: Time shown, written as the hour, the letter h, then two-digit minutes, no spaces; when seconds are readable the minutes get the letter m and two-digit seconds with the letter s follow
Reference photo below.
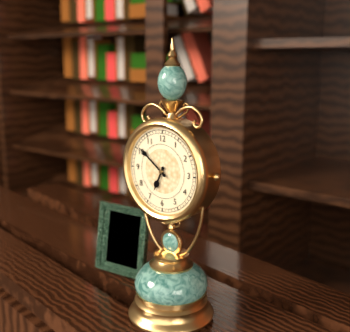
6h51
